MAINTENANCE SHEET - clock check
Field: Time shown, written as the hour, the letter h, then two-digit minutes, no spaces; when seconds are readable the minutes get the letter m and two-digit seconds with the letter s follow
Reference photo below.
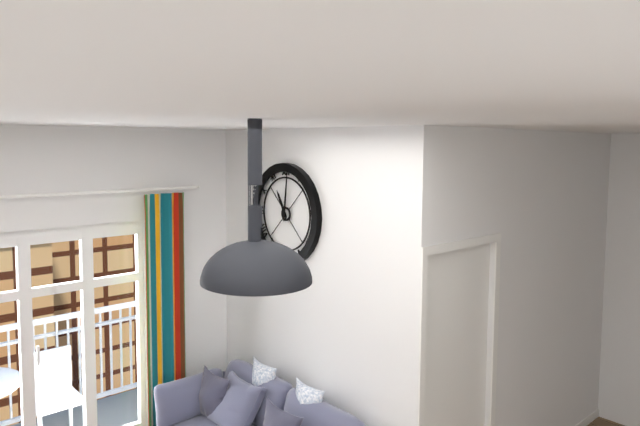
11h01
